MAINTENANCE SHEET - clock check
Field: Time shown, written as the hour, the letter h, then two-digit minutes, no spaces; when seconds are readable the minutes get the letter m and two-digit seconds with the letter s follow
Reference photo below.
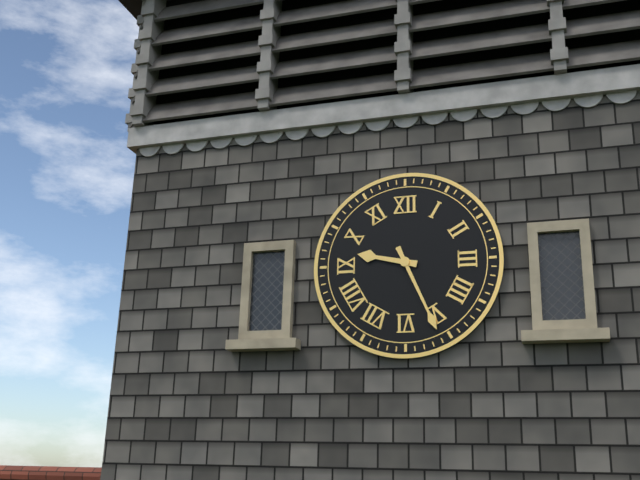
9h26
